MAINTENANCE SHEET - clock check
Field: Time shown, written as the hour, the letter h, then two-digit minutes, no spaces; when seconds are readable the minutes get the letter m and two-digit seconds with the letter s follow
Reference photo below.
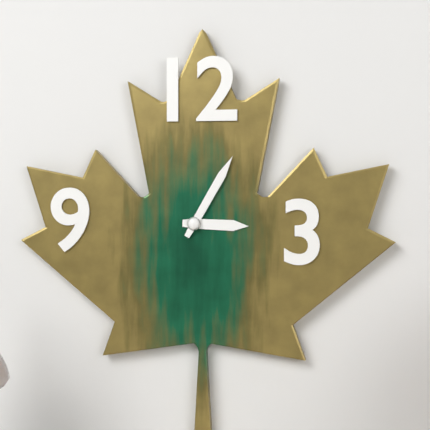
3h05
